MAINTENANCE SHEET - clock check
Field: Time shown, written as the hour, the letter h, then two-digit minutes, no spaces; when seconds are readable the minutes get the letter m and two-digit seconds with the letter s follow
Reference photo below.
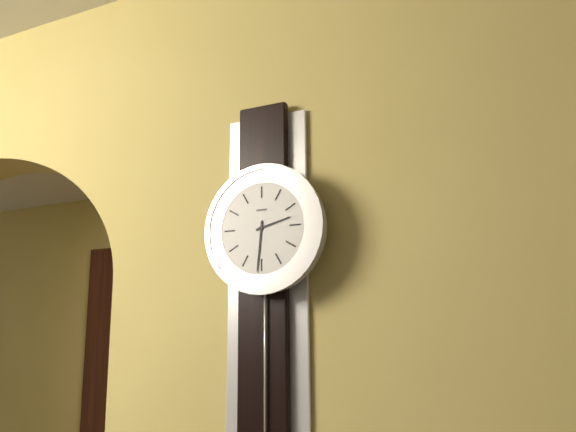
2h31
